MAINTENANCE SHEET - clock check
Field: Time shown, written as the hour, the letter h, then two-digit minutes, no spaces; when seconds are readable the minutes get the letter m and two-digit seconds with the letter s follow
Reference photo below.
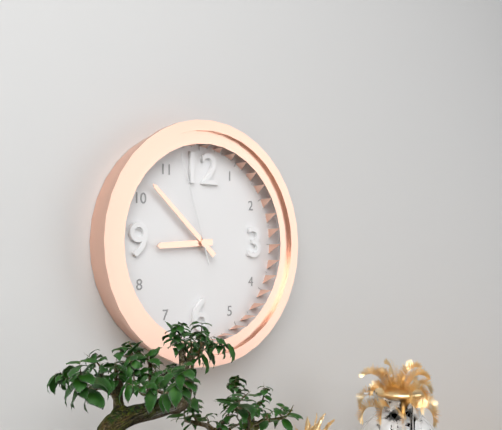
8h52m57s
